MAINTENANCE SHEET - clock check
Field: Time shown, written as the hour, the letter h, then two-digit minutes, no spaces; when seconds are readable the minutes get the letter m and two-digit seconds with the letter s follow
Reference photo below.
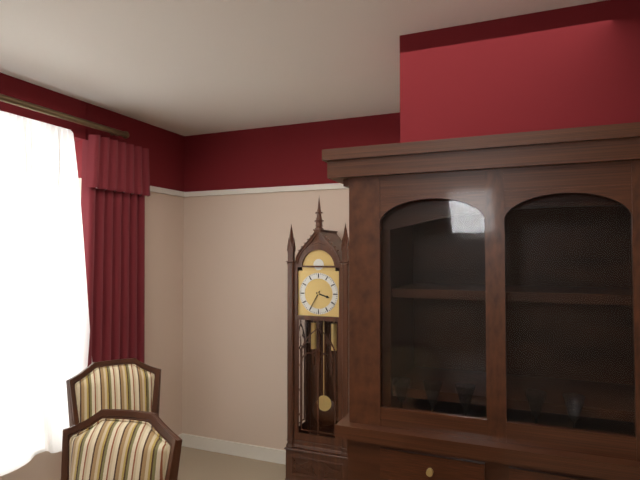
3h35
